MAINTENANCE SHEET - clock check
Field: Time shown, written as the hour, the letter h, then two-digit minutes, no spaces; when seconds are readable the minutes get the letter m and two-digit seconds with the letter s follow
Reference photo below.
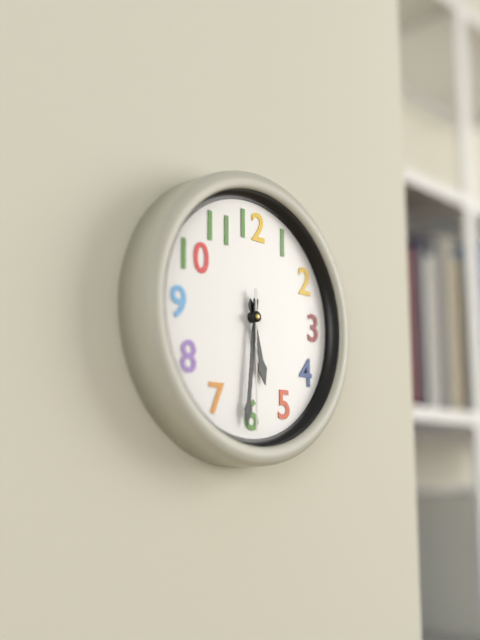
5h31m30s
